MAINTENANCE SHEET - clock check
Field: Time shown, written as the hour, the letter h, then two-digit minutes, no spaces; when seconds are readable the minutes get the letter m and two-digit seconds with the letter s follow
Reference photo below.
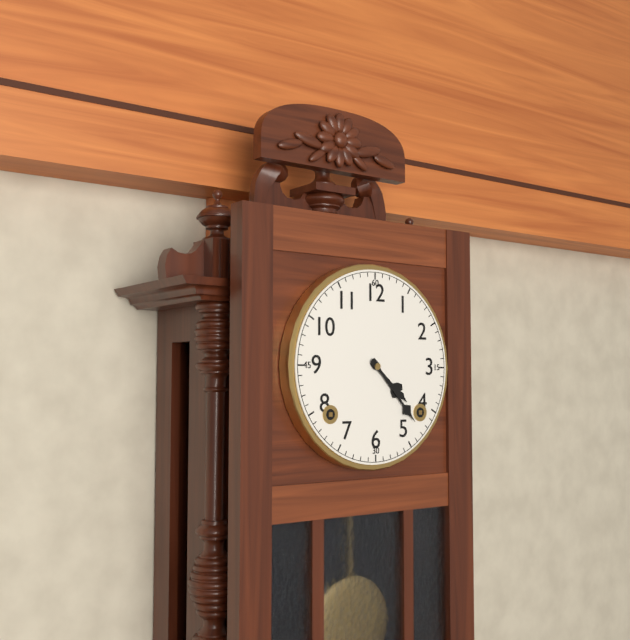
4h23
